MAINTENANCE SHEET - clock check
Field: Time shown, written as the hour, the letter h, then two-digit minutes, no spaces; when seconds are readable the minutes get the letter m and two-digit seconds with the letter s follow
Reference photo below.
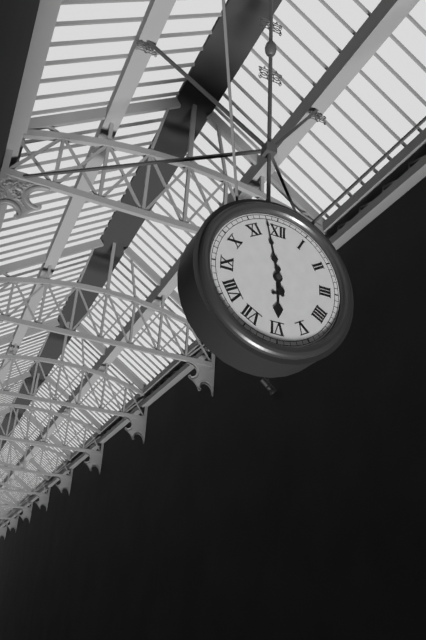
5h58
